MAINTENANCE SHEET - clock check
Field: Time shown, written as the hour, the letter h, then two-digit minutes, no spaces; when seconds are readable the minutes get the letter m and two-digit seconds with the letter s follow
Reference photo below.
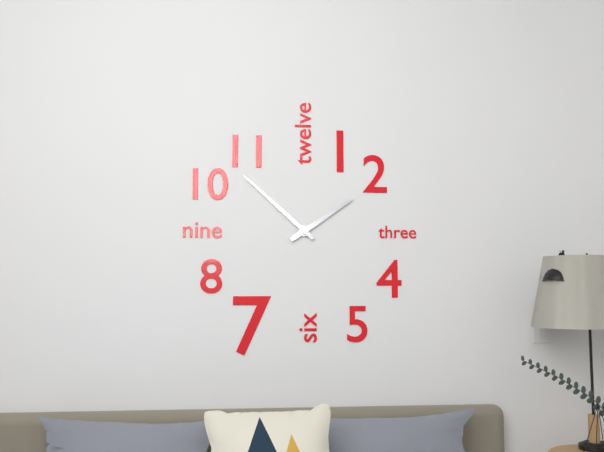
1h52
